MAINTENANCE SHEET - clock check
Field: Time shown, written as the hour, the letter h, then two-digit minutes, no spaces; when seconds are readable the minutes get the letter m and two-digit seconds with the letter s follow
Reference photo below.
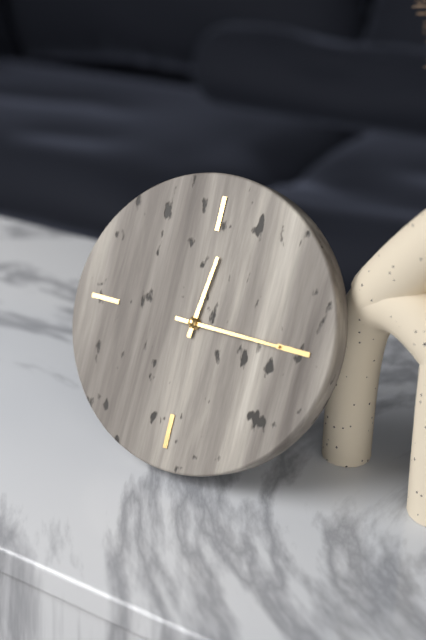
12h15
